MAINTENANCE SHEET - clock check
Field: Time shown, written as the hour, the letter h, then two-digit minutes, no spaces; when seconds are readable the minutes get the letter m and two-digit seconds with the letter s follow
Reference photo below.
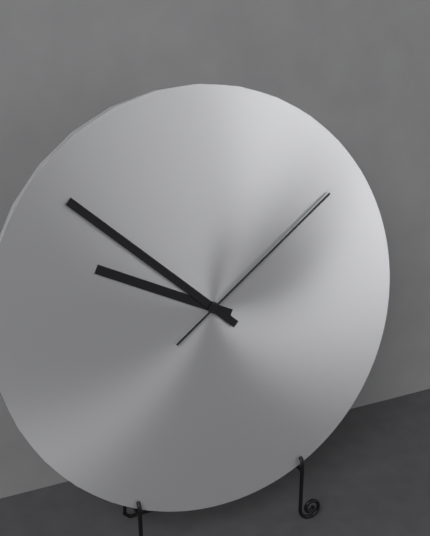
9h52m09s
